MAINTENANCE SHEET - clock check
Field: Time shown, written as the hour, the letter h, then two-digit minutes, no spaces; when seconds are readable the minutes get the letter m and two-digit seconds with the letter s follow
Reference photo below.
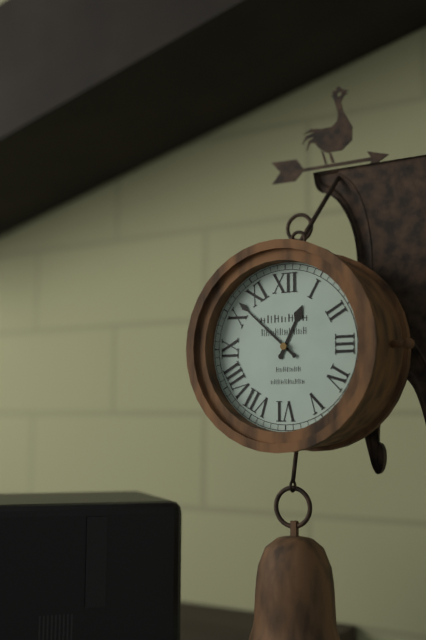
12h52
